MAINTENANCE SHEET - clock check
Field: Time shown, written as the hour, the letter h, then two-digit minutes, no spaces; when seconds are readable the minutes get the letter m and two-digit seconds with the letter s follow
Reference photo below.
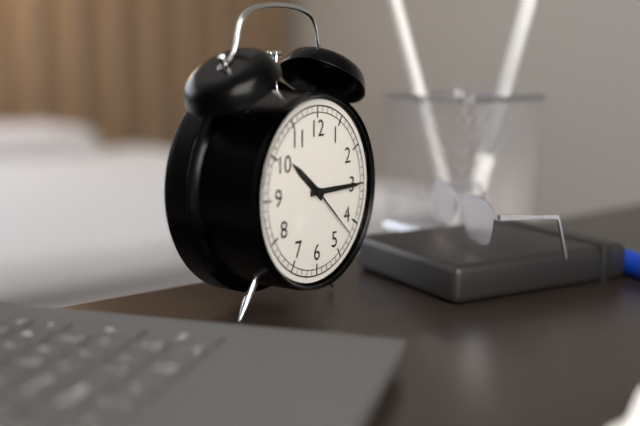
10h15m22s
